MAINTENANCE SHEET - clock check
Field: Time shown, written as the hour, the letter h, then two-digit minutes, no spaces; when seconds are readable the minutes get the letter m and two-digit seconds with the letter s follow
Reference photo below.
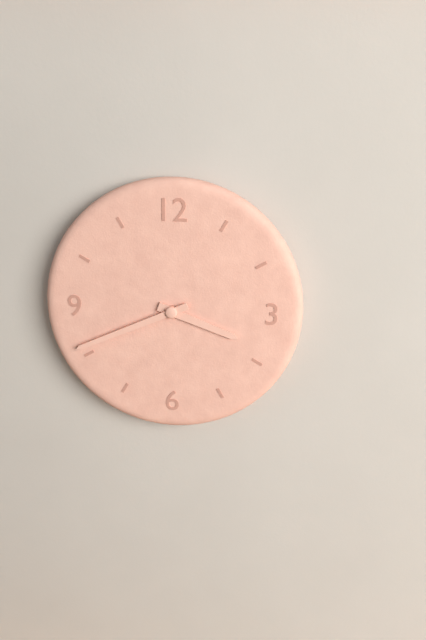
3h41
